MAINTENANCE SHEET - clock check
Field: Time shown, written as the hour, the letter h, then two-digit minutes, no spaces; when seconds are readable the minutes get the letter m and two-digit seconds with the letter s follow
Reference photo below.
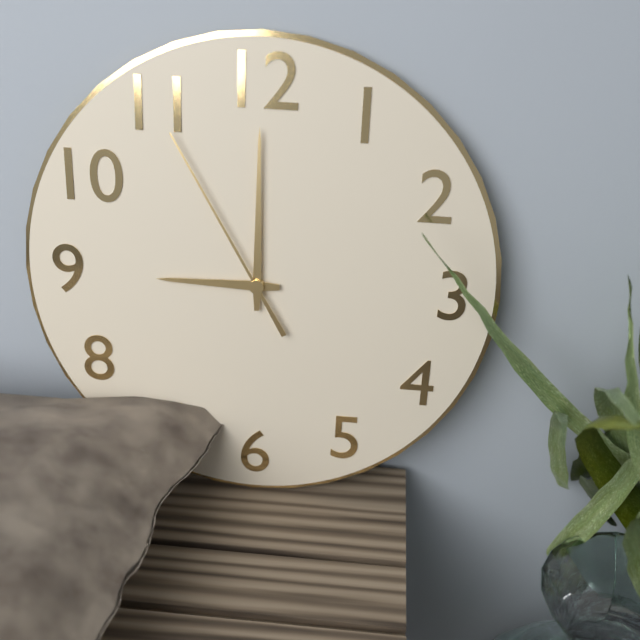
9h00m55s
